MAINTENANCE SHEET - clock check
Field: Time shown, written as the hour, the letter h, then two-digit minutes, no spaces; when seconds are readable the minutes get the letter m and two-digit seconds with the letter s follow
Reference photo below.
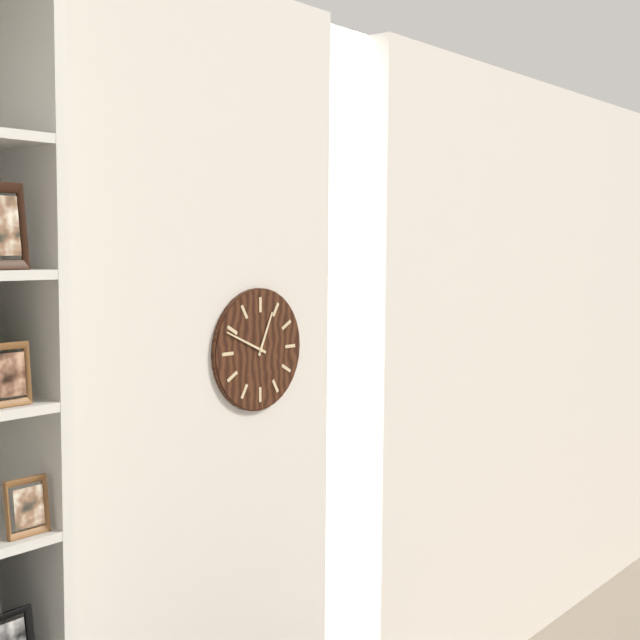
12h49
